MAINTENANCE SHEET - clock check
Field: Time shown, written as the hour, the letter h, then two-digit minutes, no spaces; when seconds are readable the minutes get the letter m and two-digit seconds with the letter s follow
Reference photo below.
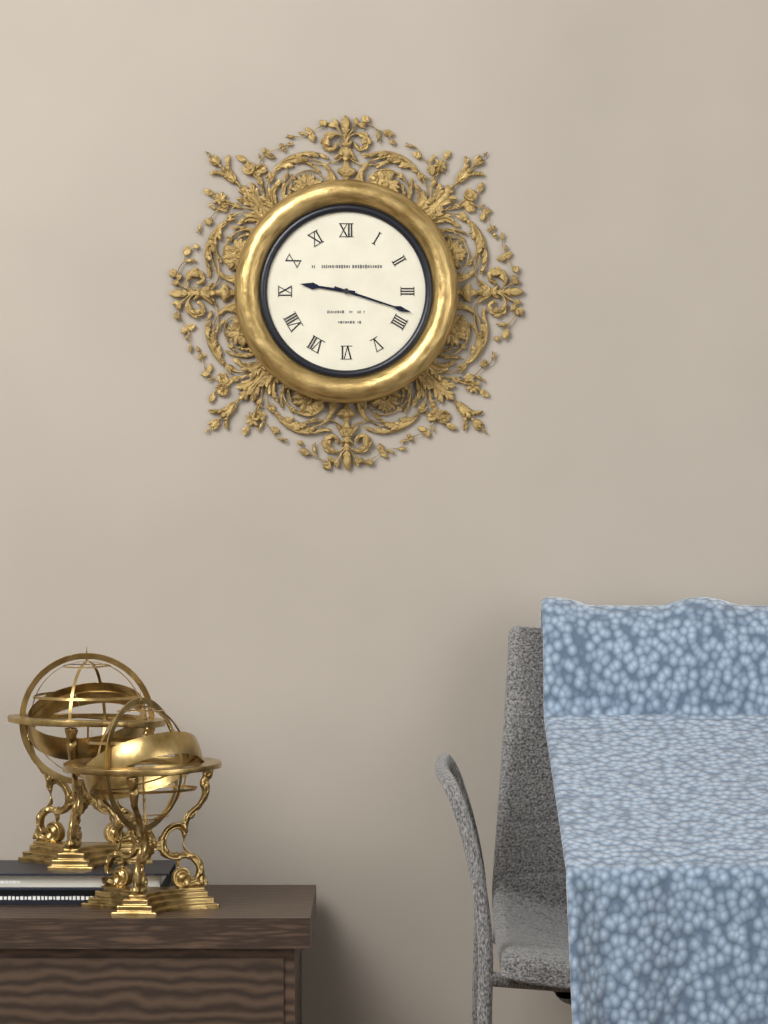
9h18
